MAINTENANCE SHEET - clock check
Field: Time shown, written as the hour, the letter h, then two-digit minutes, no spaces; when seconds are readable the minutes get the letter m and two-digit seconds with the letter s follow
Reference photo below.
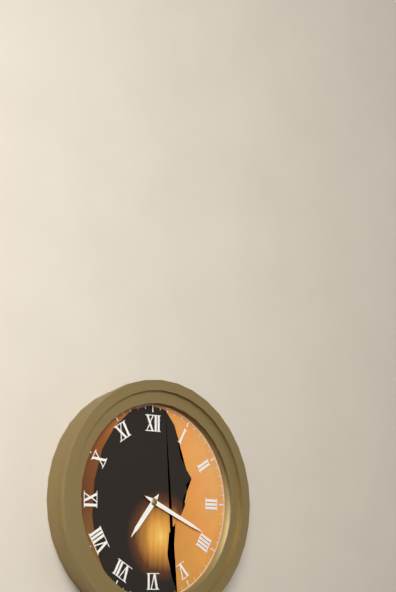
7h19
